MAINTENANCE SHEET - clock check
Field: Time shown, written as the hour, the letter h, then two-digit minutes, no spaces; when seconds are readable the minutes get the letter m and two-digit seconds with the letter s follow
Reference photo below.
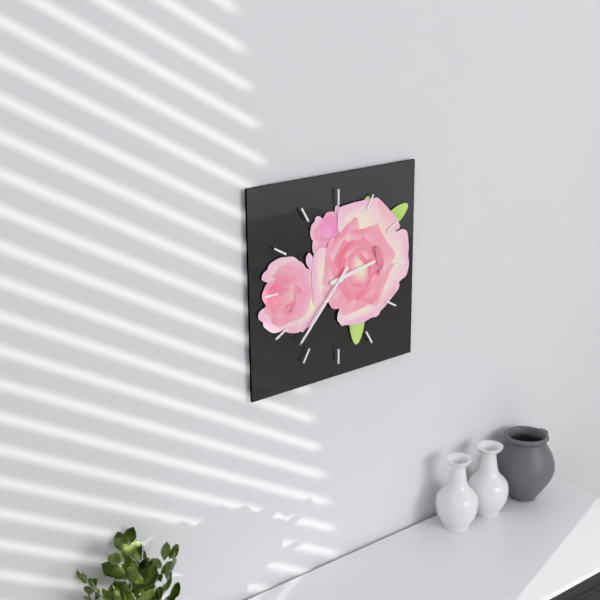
2h37
